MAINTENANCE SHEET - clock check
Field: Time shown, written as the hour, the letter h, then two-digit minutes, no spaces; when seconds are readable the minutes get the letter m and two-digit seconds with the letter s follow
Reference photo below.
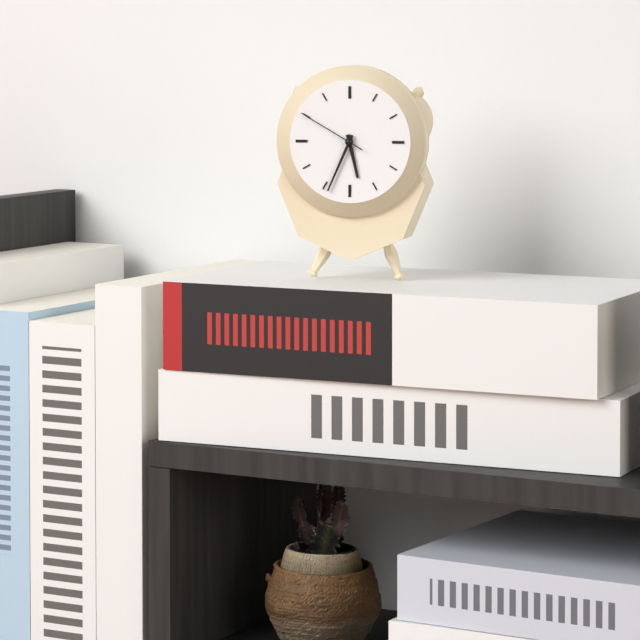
5h34m50s
